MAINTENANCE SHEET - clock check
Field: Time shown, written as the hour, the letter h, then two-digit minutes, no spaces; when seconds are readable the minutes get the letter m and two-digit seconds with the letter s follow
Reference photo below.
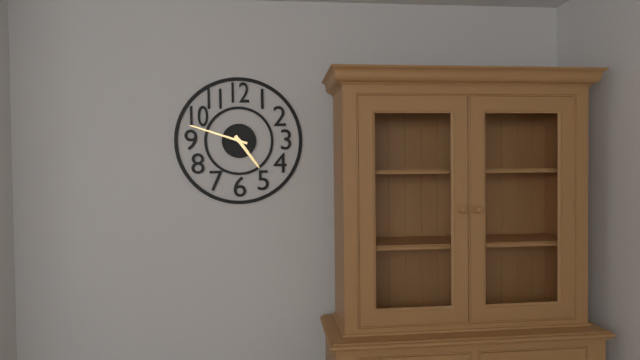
4h48
